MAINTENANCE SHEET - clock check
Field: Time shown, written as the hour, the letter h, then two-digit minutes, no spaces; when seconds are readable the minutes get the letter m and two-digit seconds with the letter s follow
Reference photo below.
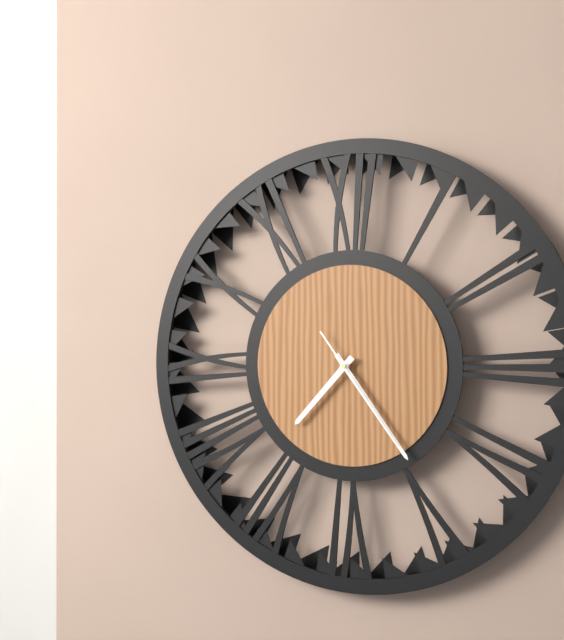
7h24m24s
